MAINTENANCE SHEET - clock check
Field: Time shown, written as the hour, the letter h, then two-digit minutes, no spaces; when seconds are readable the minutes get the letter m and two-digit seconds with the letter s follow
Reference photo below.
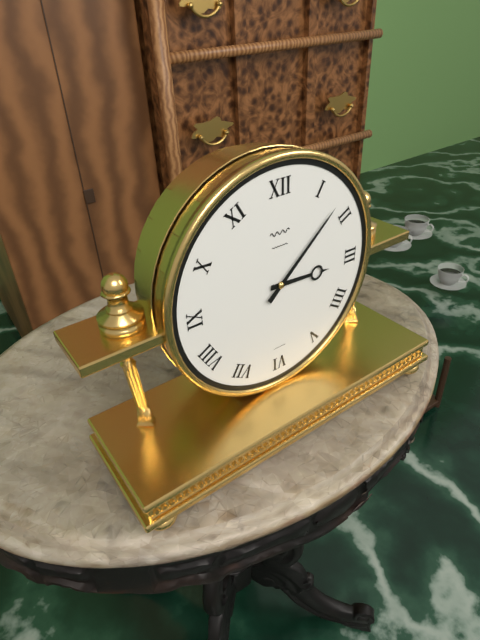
3h08
